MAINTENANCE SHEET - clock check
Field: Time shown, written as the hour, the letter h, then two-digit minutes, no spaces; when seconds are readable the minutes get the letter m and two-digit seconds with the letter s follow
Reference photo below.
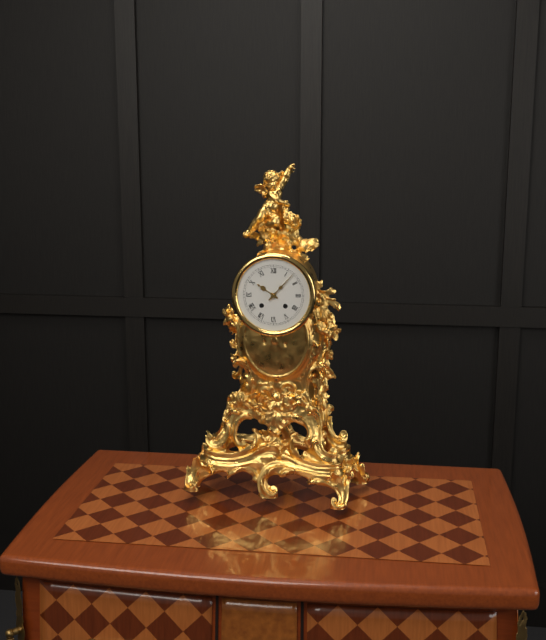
10h07
